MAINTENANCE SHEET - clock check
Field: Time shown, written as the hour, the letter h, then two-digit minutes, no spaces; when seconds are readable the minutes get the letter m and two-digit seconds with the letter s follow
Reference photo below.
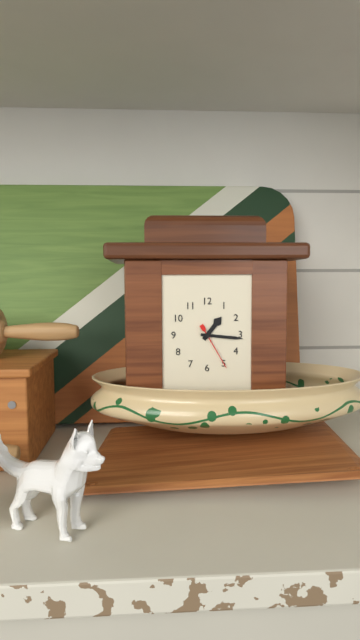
1h16m25s
